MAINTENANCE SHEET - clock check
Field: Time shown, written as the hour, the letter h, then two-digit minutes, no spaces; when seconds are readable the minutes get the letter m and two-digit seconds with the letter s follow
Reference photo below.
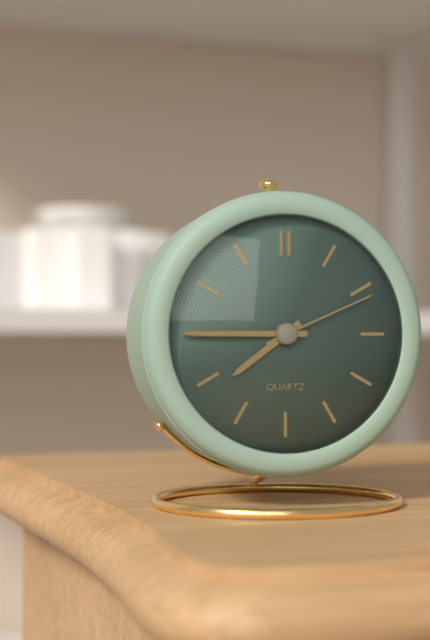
7h45m11s
